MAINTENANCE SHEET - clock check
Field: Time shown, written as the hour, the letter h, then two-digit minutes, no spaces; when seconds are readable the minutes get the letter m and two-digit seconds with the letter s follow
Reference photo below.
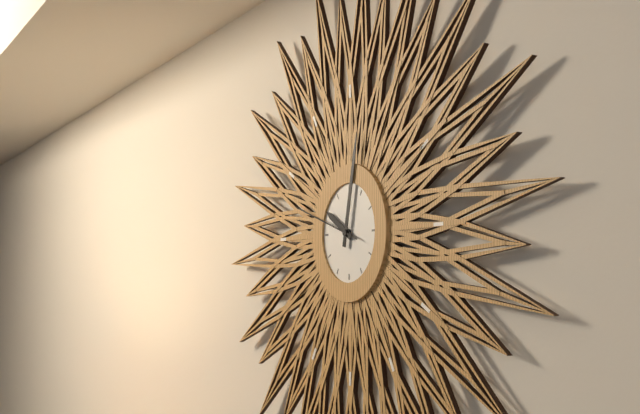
10h02m48s
